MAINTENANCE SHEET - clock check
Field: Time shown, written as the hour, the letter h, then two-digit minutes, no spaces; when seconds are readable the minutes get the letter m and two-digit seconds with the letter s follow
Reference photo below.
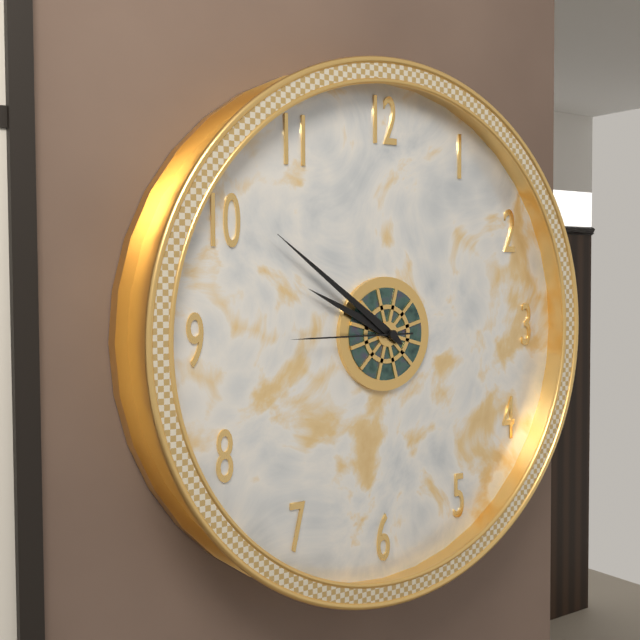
9h51m45s
